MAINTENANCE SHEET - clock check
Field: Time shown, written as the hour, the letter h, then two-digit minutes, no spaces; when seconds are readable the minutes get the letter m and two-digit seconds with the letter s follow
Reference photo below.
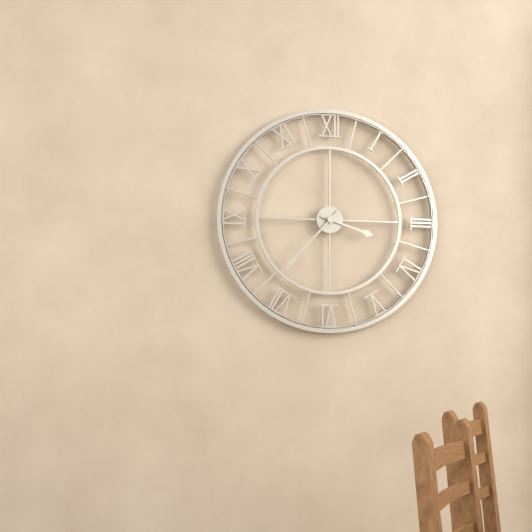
3h37
